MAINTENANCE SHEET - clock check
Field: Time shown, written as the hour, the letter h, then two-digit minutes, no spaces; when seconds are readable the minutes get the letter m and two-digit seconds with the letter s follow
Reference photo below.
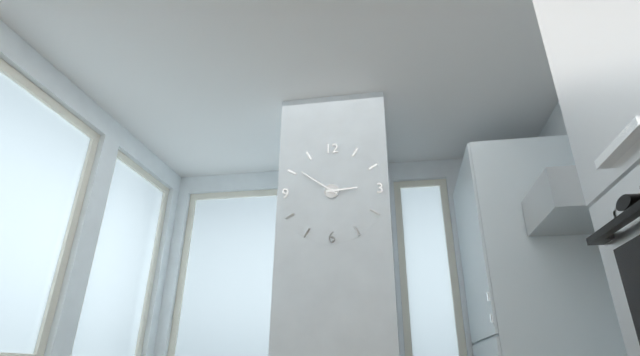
2h51
